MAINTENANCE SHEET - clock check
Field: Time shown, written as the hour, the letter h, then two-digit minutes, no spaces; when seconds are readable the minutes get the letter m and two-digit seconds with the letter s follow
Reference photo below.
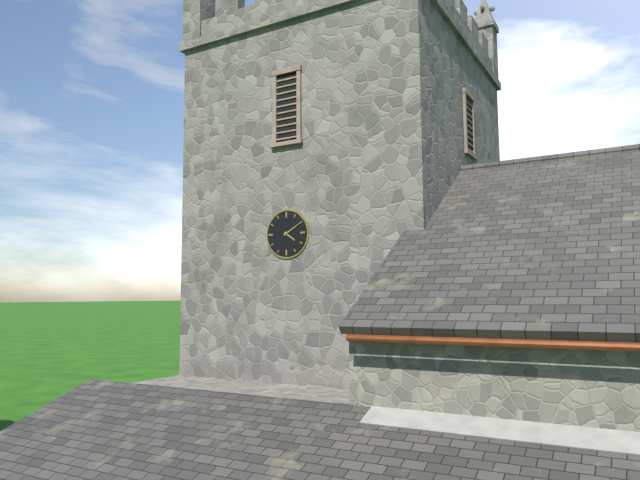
4h10
